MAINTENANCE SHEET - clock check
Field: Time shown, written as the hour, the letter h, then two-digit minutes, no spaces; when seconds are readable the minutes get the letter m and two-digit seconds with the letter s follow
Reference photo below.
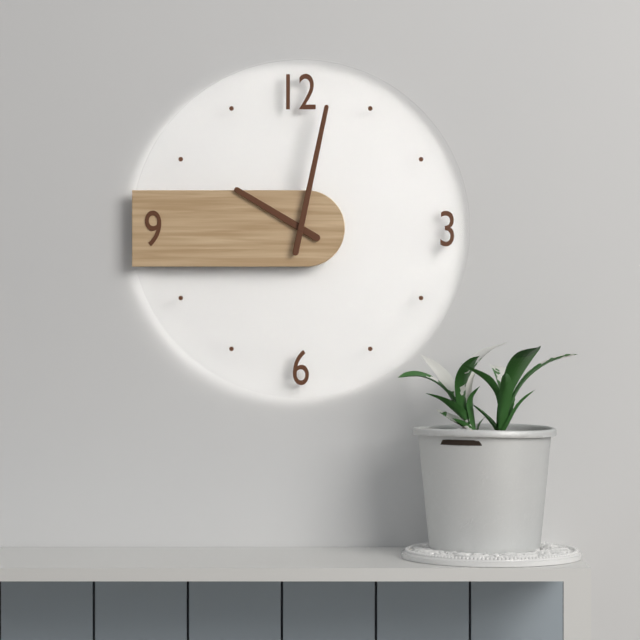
10h02
